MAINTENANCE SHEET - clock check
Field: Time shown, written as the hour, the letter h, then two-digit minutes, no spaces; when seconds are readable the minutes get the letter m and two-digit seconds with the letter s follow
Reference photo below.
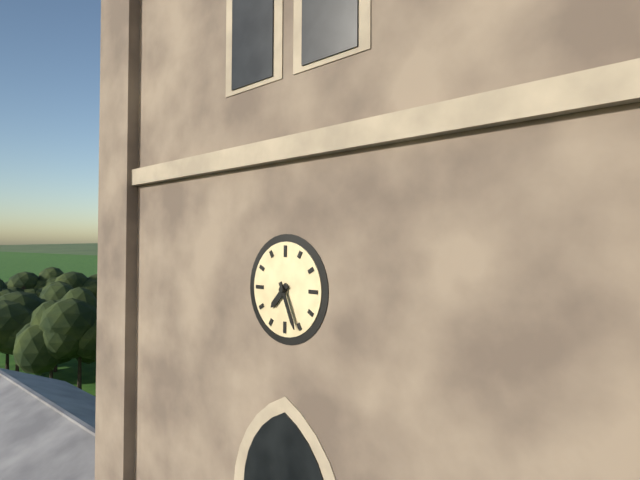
7h26
